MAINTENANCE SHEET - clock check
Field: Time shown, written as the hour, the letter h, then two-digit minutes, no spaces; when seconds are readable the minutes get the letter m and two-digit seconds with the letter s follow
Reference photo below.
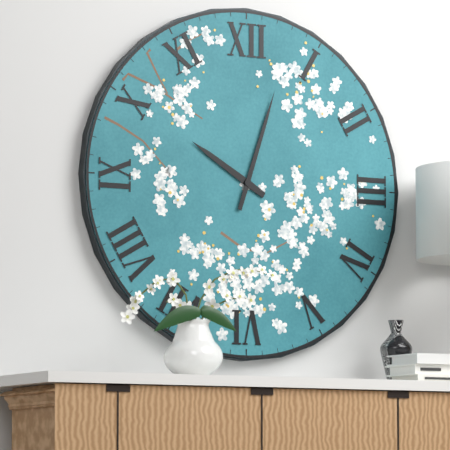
10h03
